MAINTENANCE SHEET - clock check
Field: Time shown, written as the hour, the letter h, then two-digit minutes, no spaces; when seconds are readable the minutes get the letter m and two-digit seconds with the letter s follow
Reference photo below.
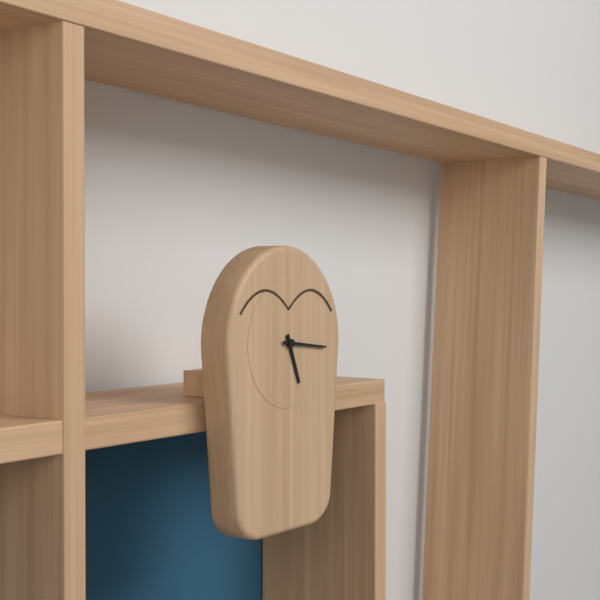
5h16
